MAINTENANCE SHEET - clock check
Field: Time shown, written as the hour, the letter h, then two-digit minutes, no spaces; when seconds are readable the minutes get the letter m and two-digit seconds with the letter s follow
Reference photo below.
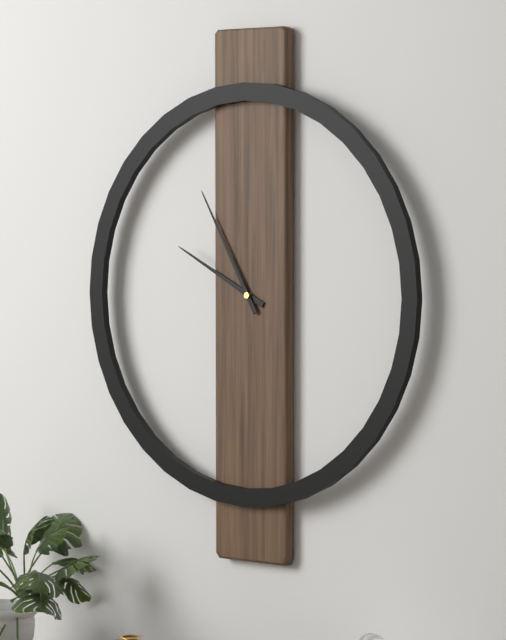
9h55
